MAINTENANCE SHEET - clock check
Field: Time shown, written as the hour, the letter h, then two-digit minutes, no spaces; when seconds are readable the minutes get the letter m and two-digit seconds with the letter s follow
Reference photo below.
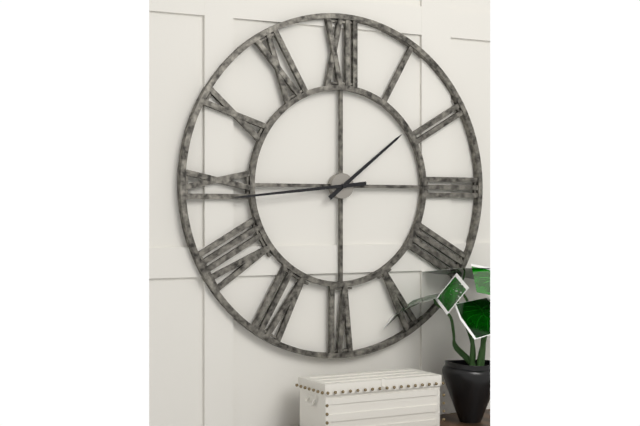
1h44
